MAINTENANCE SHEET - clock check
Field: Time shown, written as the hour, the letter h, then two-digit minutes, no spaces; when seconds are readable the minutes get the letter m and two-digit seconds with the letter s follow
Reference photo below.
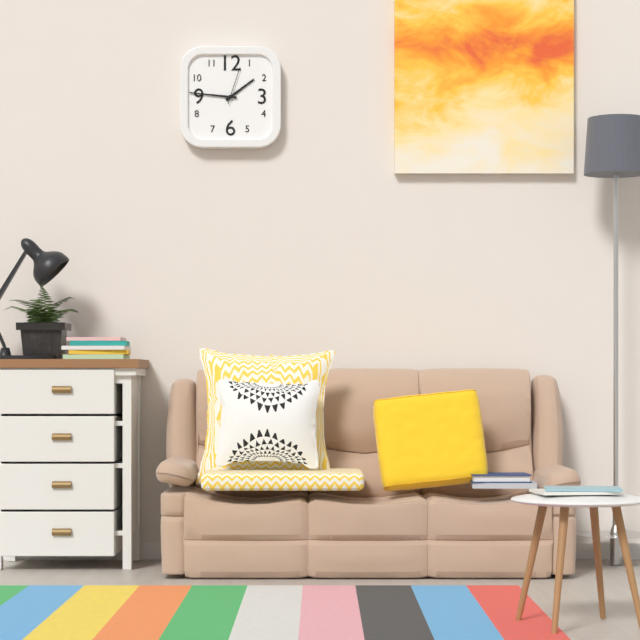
1h46
